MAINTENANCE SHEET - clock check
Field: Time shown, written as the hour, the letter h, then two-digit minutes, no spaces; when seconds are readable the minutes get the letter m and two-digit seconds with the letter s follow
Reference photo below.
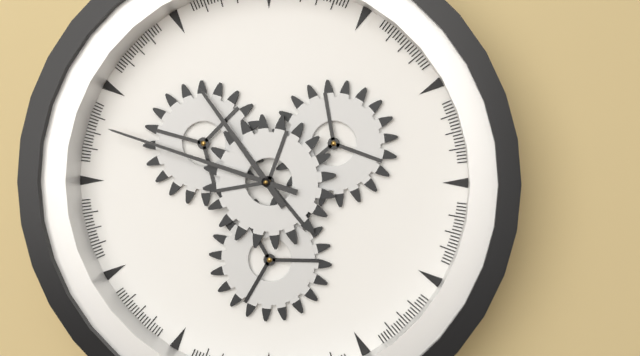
10h48
